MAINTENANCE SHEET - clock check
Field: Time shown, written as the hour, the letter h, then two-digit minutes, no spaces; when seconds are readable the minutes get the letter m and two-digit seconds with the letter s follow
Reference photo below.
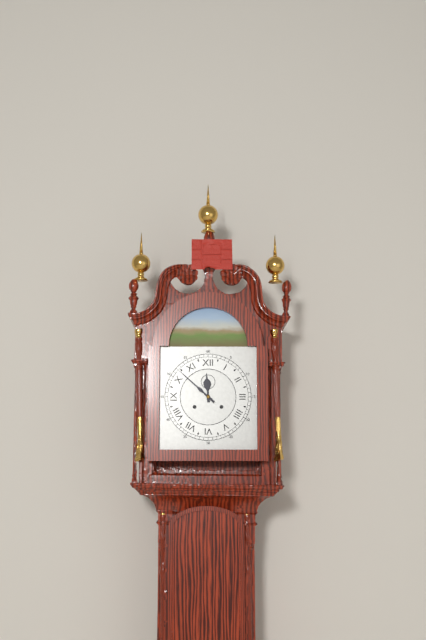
11h52
